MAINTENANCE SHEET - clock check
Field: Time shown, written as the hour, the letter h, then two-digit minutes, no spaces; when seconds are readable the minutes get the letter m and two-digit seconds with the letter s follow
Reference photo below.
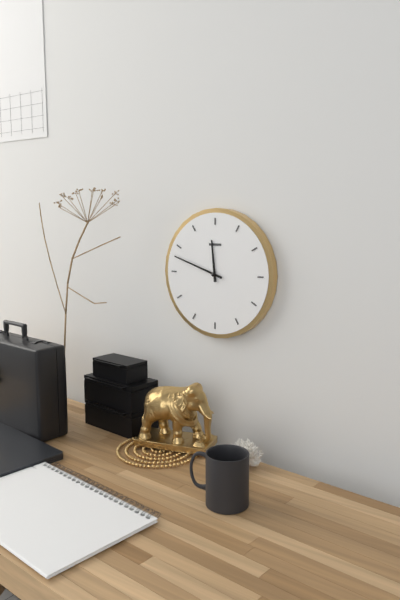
11h48
